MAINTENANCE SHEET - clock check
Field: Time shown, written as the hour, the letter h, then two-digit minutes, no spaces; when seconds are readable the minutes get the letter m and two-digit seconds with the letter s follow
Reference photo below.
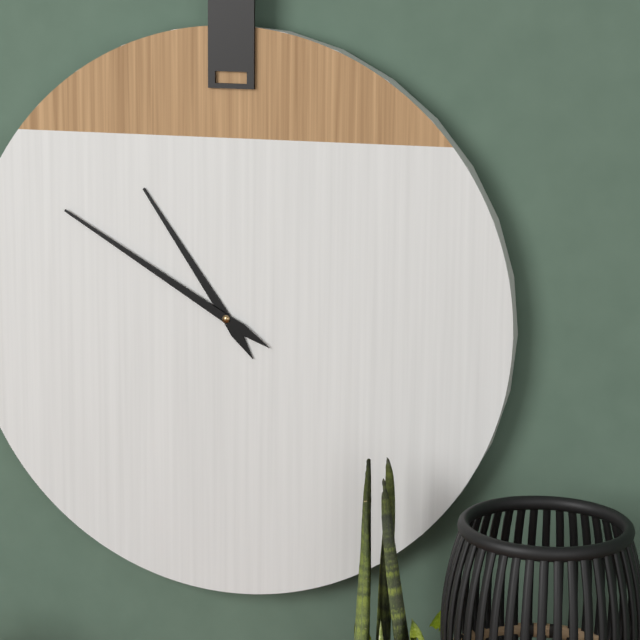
10h50
